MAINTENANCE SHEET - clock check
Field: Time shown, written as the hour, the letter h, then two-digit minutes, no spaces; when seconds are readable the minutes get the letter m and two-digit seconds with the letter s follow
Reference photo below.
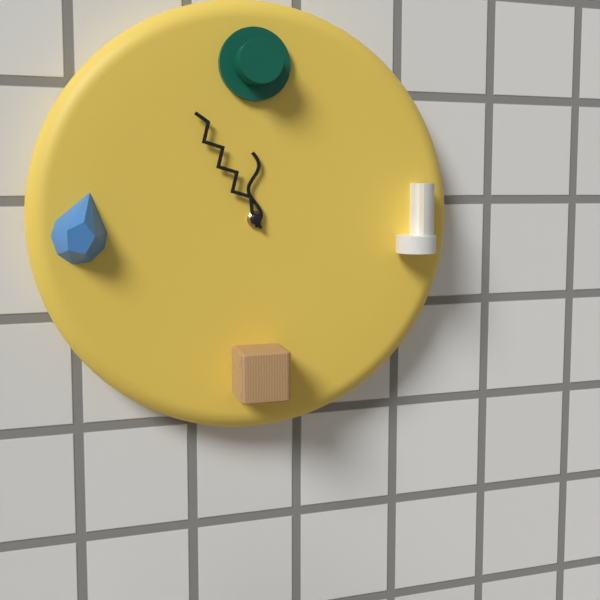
11h55
